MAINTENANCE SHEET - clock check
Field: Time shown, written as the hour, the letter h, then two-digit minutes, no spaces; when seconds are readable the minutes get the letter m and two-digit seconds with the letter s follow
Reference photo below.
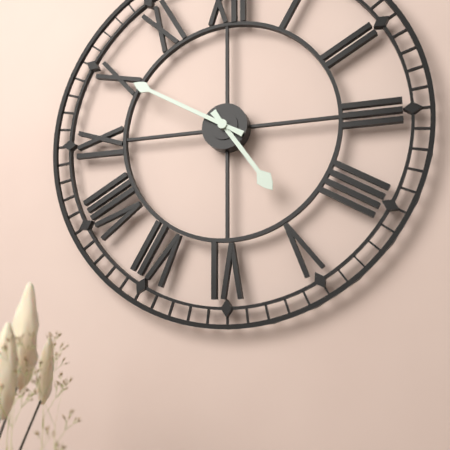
4h50
